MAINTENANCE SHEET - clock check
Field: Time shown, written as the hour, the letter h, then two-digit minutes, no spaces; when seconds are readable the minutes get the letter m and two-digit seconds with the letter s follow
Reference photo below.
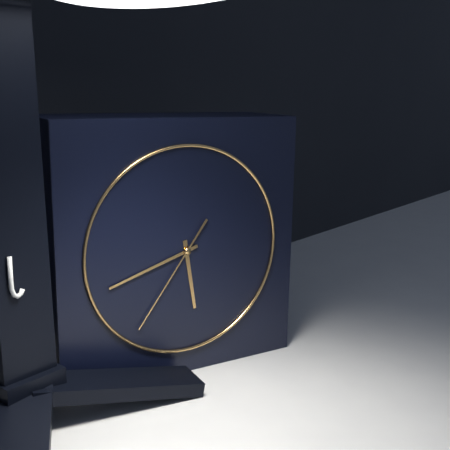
5h42m36s
